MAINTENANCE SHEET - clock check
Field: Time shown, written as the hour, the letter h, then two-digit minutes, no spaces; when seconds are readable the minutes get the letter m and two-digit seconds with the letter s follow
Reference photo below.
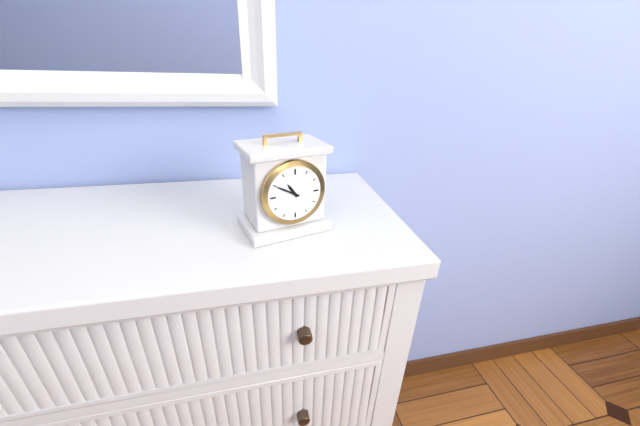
10h50
